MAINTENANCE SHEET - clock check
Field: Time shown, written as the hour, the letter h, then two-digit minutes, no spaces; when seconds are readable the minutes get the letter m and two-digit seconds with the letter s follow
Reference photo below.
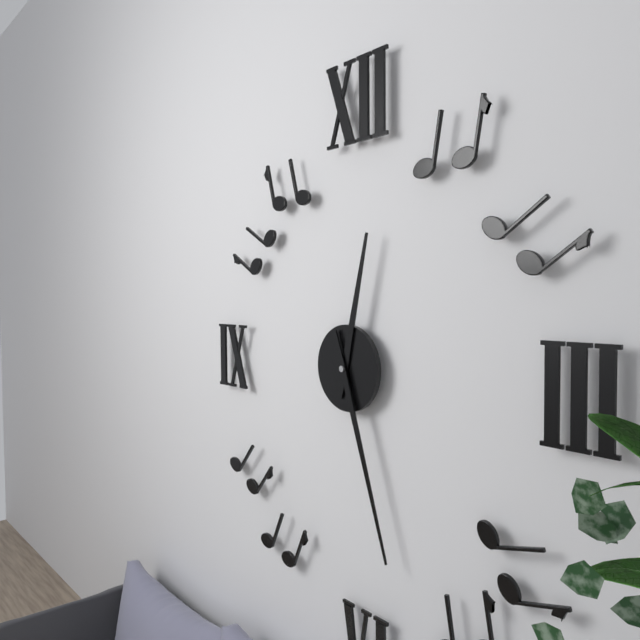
12h27
